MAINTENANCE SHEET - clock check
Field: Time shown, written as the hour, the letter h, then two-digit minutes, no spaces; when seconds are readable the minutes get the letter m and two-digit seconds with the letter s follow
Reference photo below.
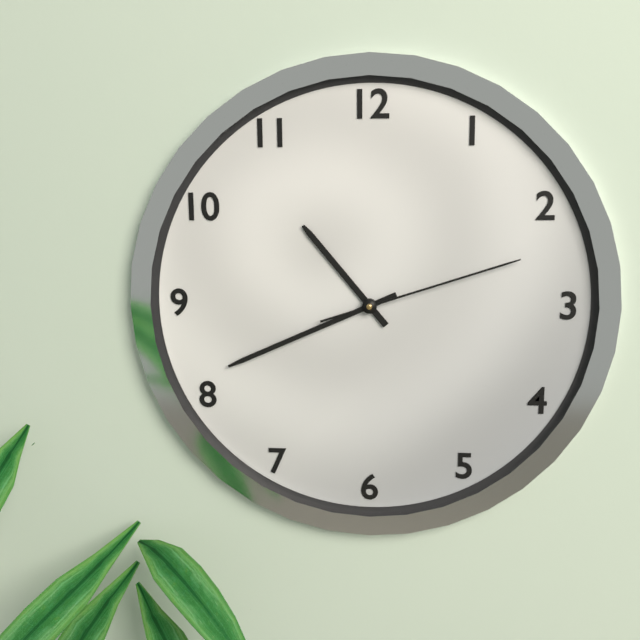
10h41m12s
